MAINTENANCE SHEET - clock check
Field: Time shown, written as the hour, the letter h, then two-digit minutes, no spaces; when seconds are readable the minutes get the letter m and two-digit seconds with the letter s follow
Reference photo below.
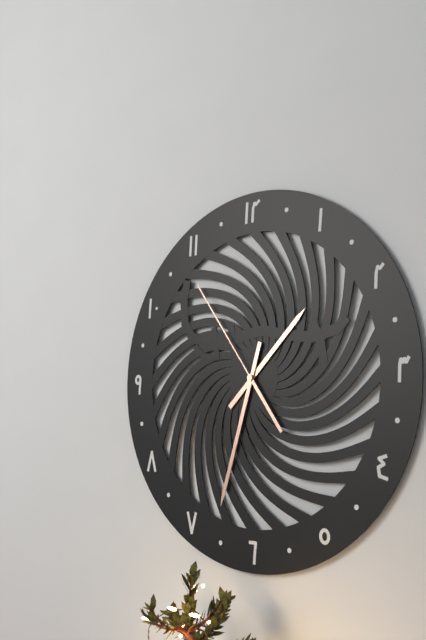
1h33m54s
